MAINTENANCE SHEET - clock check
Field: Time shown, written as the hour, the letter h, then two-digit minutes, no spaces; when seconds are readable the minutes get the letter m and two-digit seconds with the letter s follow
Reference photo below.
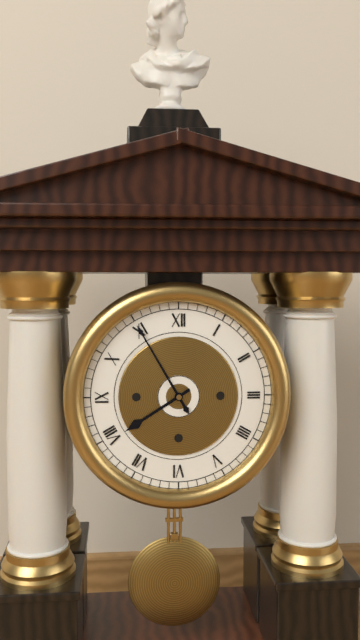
7h55
